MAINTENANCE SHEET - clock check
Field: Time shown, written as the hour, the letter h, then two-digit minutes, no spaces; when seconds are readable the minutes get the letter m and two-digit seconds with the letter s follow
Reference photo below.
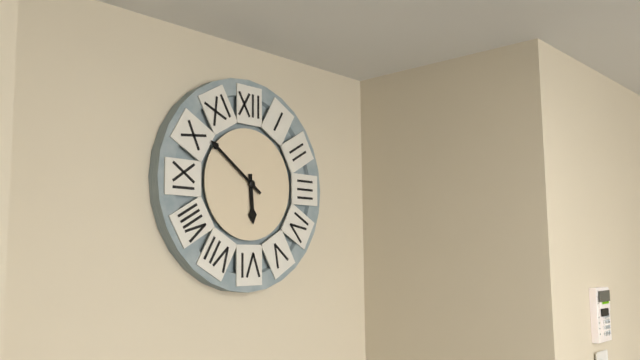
5h51
